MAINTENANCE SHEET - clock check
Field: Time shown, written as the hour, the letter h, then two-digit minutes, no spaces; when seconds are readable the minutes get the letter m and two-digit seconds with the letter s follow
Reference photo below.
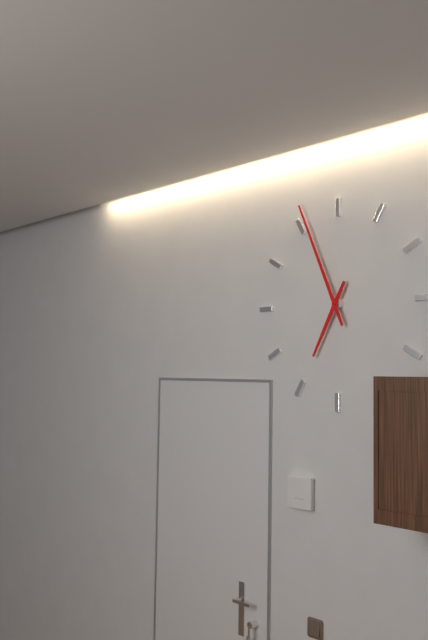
6h56
